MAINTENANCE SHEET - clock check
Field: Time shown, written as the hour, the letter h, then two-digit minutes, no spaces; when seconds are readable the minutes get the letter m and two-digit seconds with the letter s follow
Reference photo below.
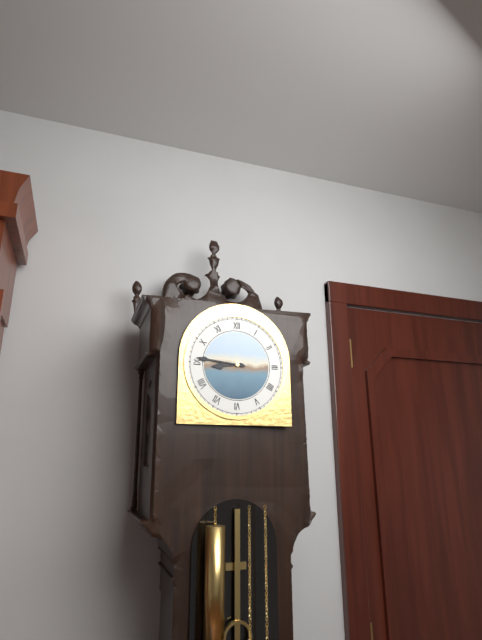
8h46
